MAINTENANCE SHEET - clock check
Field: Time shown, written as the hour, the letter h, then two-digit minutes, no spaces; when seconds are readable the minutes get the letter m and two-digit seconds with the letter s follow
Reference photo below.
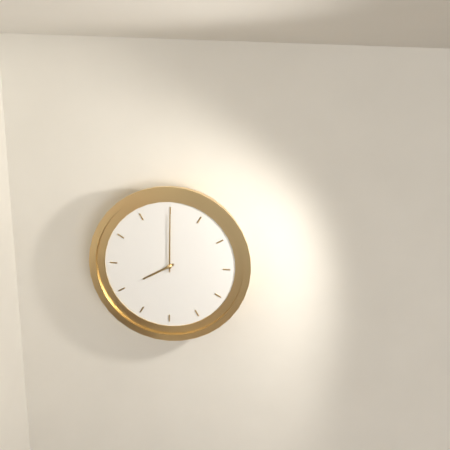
8h00
